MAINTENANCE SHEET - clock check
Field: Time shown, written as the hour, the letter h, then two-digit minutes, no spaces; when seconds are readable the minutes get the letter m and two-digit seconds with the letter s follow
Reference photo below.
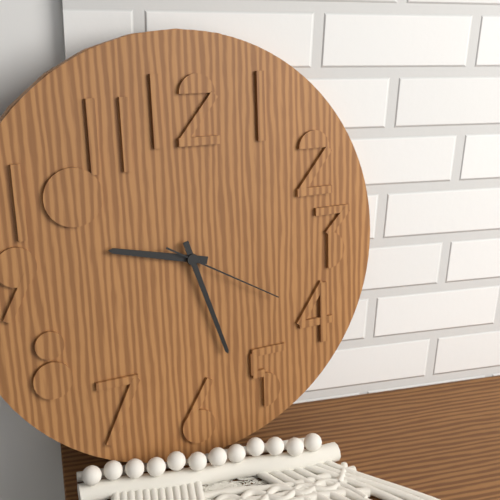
9h27m20s
